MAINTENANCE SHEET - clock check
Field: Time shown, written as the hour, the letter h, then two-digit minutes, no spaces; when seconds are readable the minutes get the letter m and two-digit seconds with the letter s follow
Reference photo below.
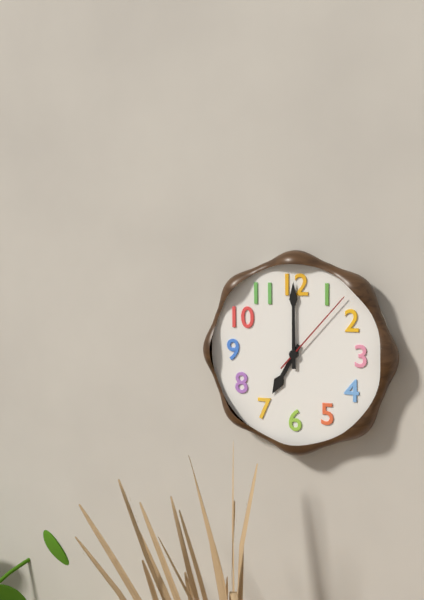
7h00m07s
